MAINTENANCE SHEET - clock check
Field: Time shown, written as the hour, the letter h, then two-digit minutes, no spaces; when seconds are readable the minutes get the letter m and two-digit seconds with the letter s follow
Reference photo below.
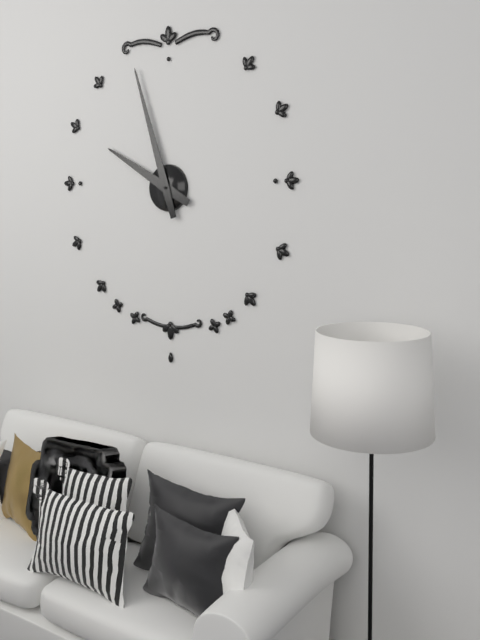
9h57
